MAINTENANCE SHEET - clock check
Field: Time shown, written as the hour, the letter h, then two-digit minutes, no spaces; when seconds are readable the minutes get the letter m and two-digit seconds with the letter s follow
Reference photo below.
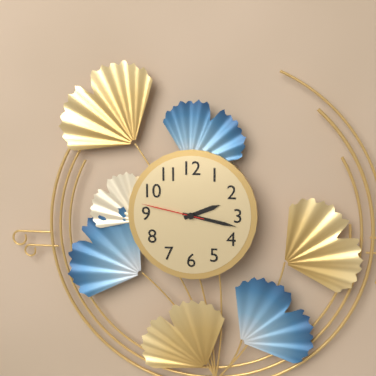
2h17m47s
